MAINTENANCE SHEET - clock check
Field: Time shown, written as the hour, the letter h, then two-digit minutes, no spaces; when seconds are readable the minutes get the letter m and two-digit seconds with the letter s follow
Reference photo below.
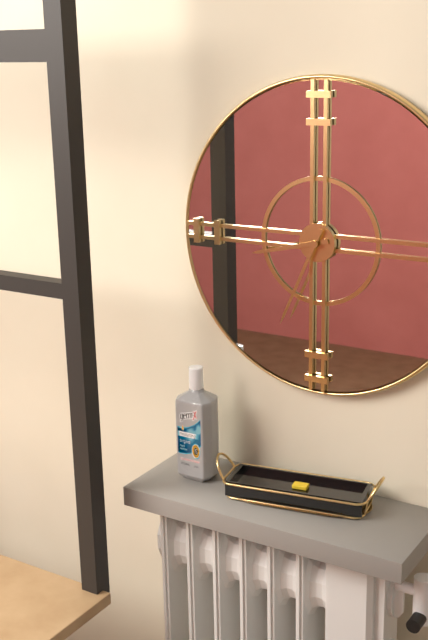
8h34
